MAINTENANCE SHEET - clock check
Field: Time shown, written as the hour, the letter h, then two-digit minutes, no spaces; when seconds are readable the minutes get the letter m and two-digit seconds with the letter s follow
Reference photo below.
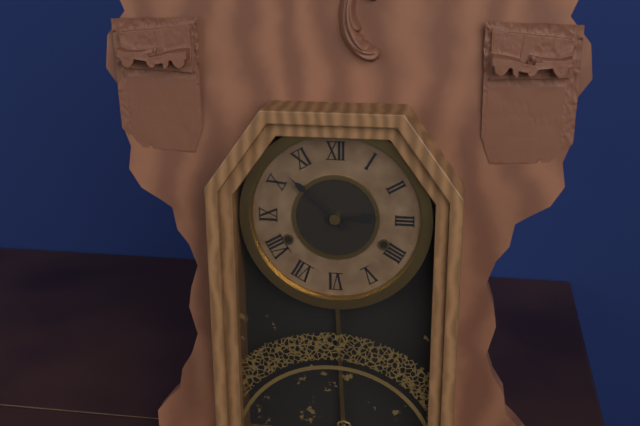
2h52
